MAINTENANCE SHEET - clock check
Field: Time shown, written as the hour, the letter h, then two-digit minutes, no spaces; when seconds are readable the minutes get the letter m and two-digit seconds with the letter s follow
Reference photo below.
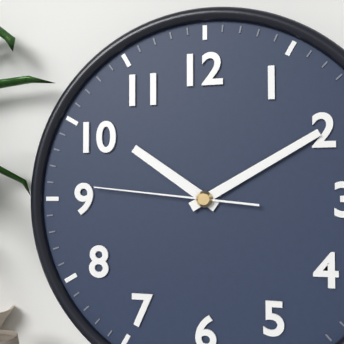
10h10m46s
